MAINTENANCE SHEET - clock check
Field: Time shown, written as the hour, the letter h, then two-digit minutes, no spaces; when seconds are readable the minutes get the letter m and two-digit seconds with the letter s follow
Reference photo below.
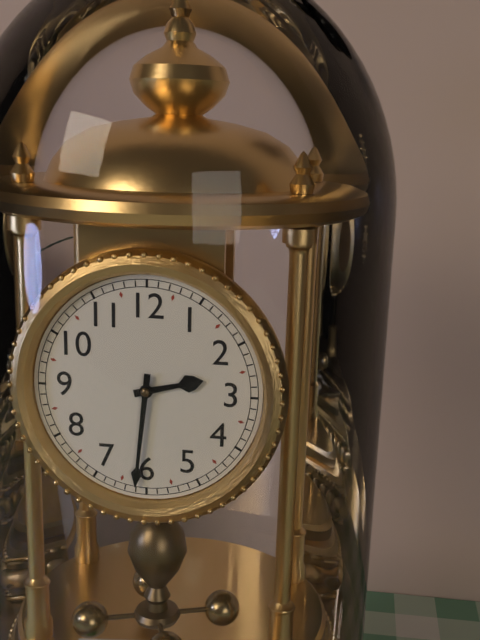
2h31
